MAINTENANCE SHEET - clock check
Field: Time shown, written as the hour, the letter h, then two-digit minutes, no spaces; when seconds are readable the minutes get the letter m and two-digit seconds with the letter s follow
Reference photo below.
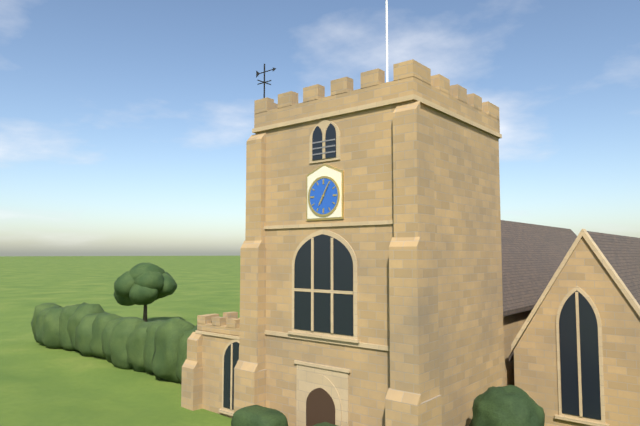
7h05
